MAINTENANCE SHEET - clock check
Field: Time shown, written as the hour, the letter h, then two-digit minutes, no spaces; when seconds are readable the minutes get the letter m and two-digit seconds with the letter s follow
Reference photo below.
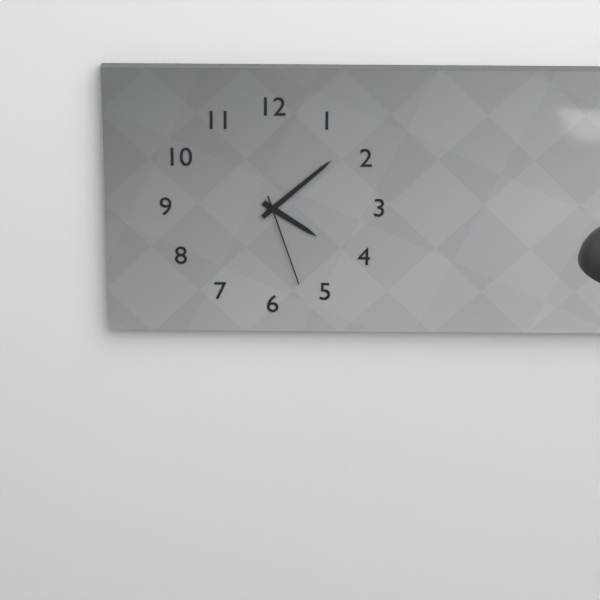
4h08m27s
